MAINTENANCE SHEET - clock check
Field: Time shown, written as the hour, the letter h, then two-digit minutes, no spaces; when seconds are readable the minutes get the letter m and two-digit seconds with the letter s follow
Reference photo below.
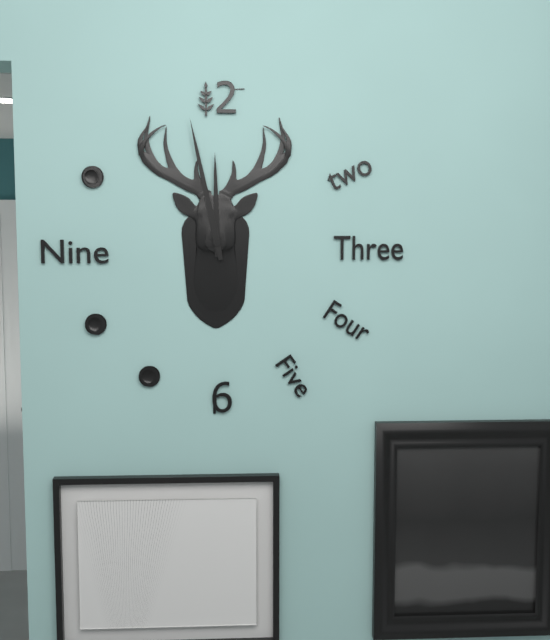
11h58
